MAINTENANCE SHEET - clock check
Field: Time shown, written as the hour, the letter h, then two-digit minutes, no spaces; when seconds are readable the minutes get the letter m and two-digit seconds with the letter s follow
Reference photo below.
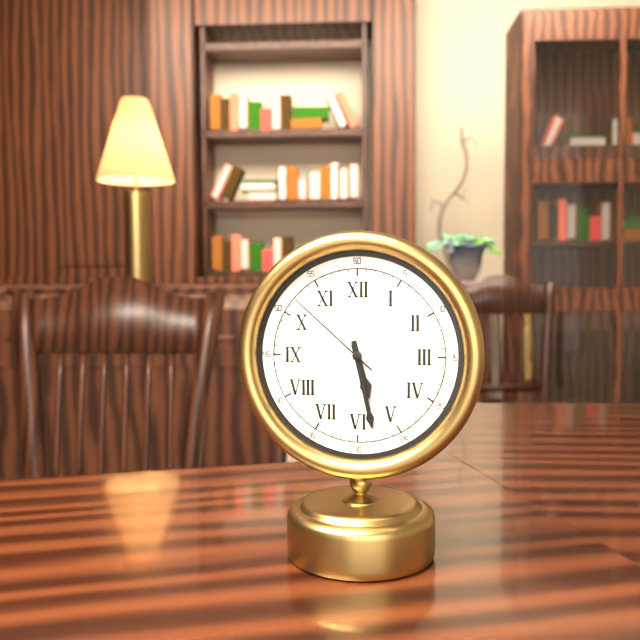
5h28m52s
